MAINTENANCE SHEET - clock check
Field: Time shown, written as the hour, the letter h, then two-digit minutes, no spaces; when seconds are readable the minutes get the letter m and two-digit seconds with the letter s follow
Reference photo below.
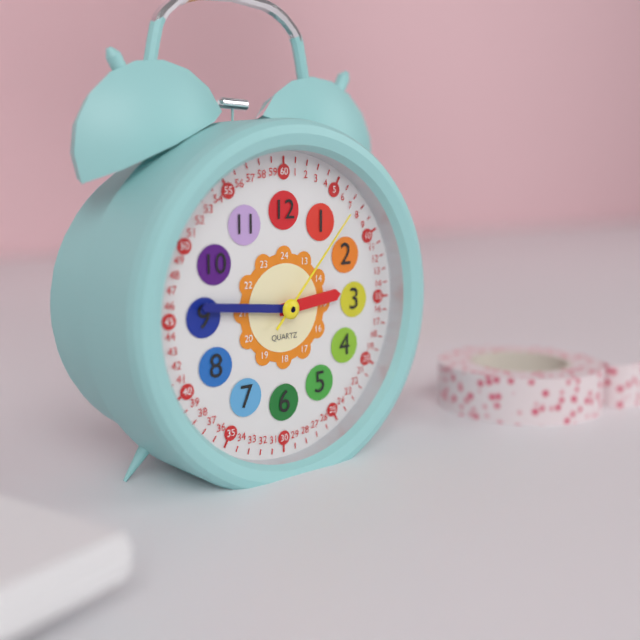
2h46m07s
